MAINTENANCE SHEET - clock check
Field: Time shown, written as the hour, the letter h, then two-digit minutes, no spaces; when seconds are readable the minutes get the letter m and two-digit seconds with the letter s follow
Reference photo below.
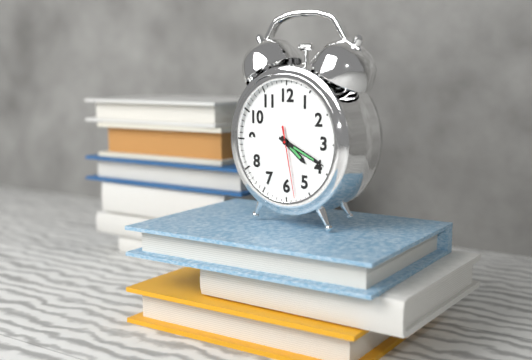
4h19m28s
